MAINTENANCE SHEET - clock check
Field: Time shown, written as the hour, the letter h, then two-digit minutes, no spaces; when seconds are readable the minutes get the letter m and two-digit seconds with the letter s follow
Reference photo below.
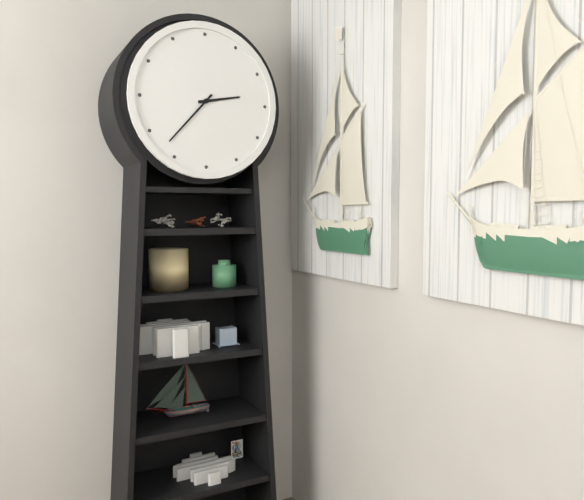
2h37
